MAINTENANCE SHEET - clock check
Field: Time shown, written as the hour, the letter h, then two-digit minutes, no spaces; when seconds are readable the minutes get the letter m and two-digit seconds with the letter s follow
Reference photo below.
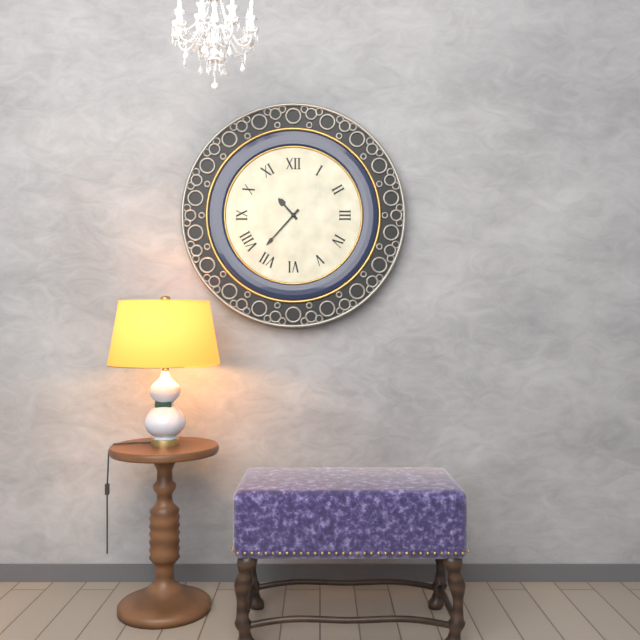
10h37
